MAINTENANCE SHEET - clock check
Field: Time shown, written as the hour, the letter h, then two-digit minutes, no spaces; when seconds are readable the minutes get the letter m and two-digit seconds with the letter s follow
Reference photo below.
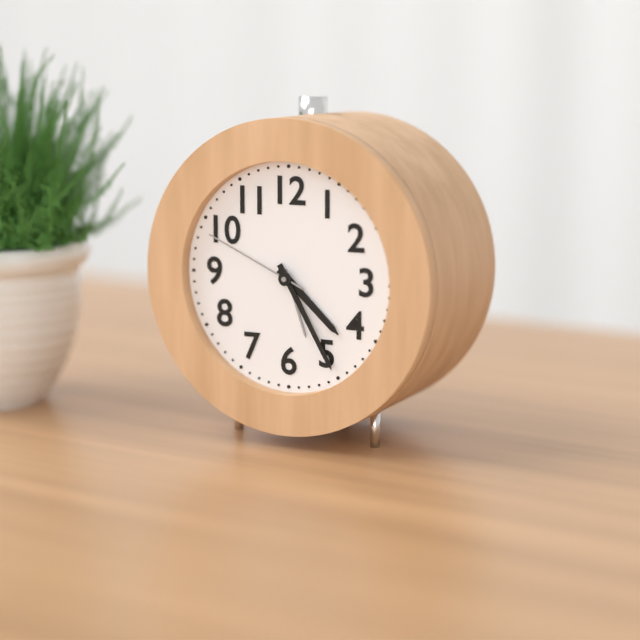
4h25m49s
